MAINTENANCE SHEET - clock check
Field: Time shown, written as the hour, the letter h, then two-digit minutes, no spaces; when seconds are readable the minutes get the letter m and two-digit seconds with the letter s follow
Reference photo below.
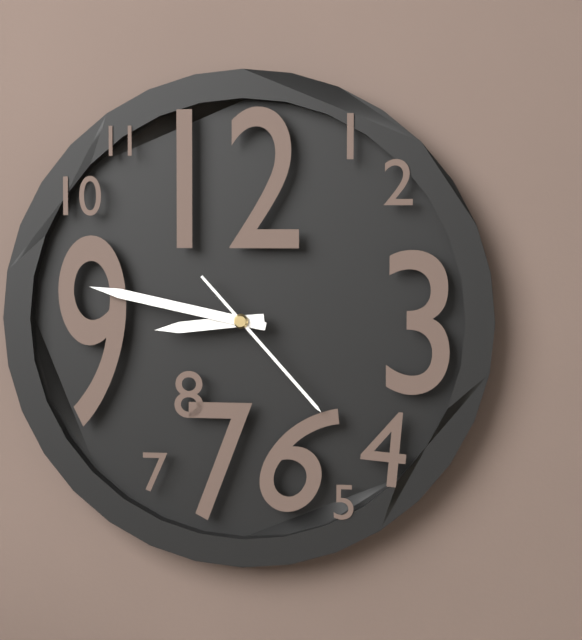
8h47m23s
